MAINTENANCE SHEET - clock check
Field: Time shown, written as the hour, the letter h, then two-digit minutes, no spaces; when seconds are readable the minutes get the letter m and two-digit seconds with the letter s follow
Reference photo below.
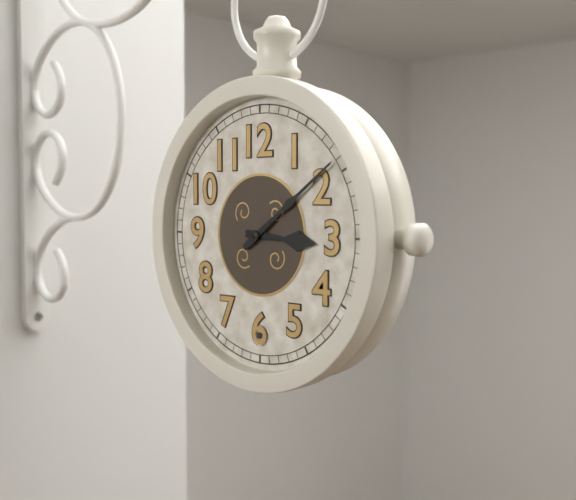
3h09
